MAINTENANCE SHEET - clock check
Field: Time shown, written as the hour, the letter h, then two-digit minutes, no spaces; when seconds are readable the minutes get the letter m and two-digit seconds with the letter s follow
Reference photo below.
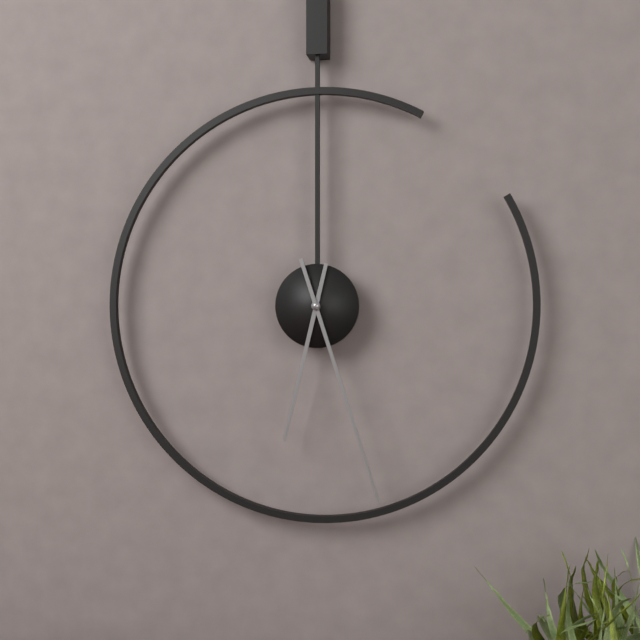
6h27
